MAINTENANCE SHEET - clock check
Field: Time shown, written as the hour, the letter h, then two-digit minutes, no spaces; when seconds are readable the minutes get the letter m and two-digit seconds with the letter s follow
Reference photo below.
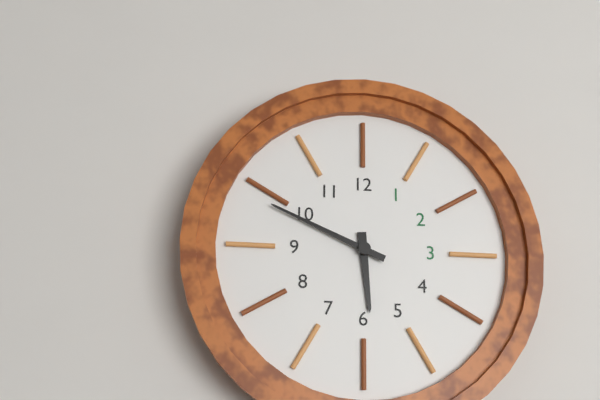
5h49
